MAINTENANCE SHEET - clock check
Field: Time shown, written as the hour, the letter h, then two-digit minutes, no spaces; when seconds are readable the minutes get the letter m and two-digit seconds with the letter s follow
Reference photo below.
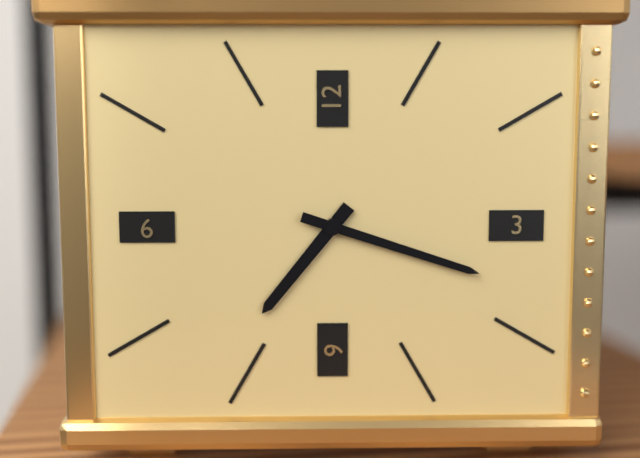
7h18
